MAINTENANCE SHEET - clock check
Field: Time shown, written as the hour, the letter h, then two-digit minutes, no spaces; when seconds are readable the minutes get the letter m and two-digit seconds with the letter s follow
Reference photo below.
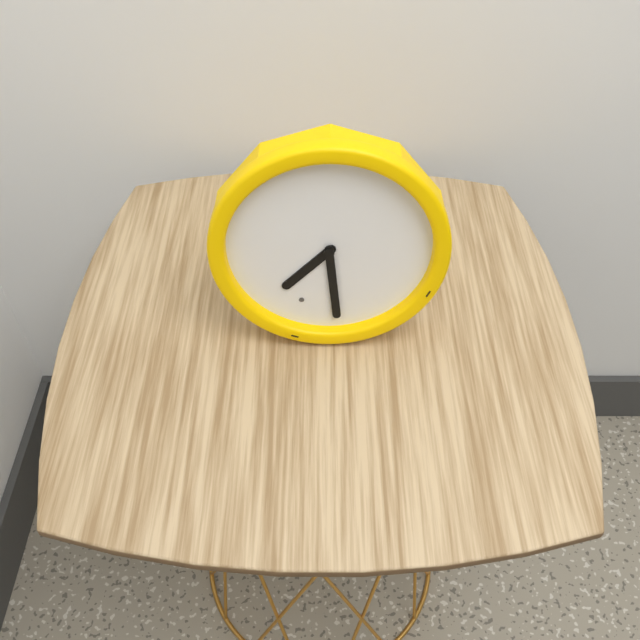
7h29
